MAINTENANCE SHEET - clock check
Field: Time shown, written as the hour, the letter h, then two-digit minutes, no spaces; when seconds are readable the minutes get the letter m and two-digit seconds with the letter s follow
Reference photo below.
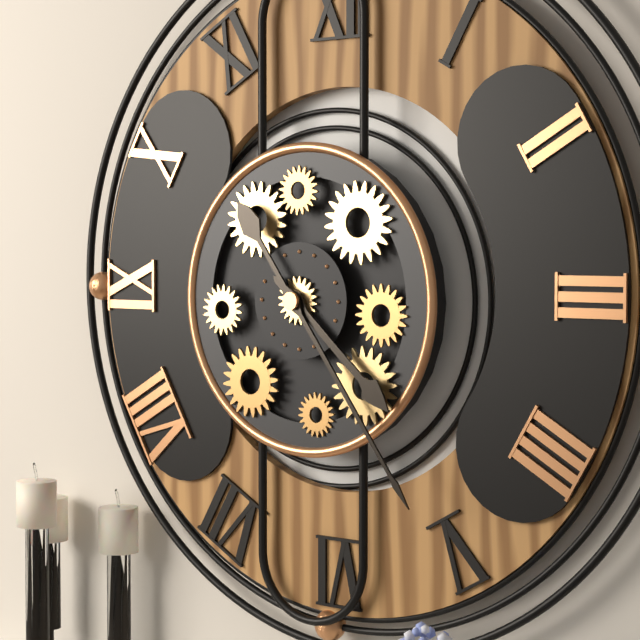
4h24
